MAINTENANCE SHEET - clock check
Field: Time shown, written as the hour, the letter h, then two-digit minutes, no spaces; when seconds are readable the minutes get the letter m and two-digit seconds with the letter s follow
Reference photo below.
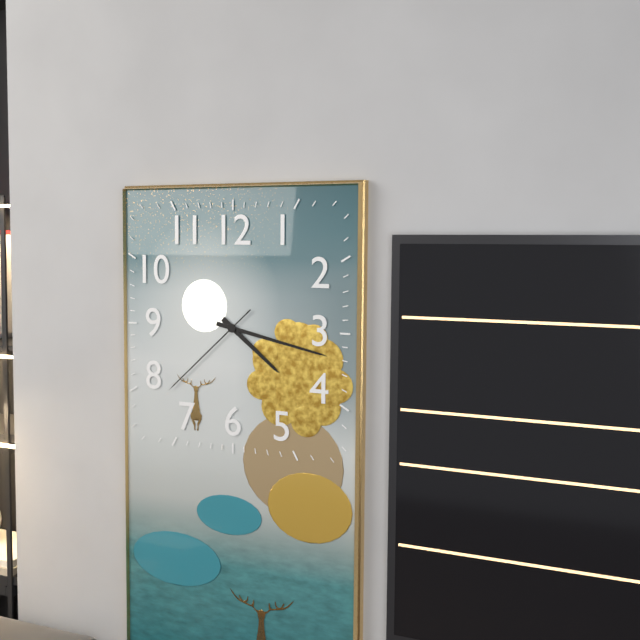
4h17m38s
